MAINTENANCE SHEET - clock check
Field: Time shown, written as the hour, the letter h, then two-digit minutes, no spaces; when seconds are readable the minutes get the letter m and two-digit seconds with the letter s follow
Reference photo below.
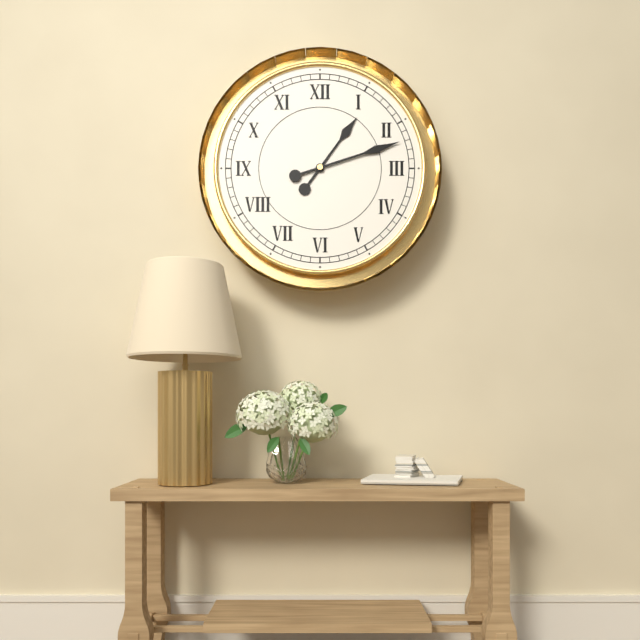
1h12
